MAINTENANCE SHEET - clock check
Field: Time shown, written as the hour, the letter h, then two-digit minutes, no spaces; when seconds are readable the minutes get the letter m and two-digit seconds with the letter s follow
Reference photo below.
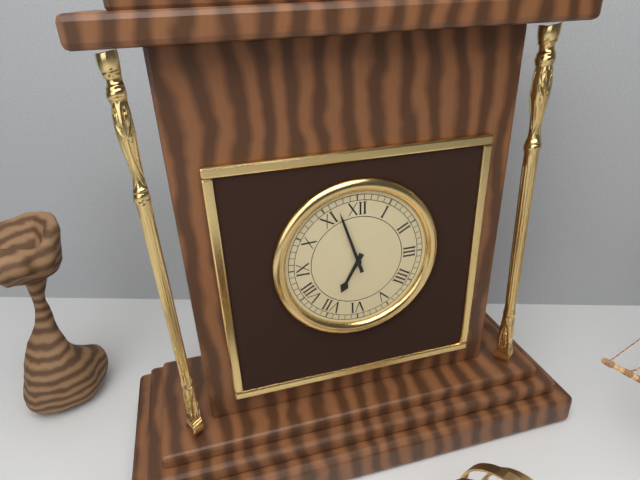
6h57
